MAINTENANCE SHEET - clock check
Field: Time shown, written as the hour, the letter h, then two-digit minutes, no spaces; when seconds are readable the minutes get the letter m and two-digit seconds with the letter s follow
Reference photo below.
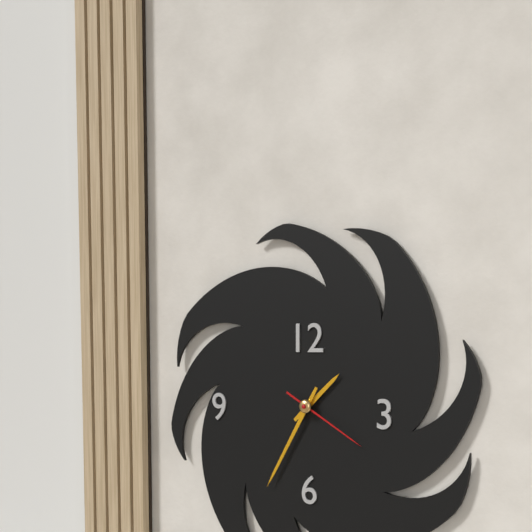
1h35m20s
